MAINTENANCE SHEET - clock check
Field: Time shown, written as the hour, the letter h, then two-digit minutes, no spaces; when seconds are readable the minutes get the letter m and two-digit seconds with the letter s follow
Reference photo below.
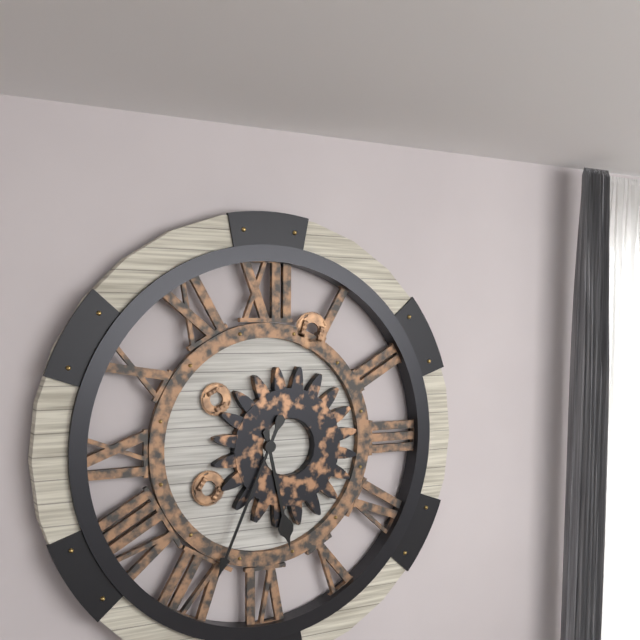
5h34
